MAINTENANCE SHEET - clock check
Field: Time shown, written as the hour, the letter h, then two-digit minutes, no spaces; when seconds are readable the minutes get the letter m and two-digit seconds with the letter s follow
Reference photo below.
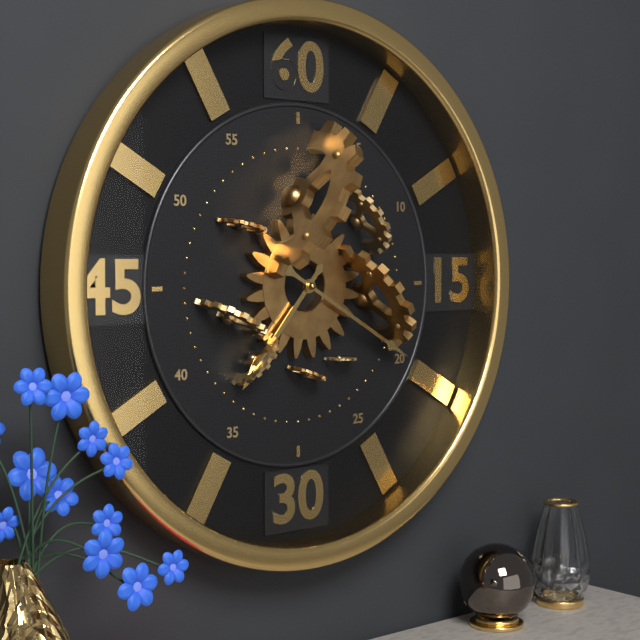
7h20
